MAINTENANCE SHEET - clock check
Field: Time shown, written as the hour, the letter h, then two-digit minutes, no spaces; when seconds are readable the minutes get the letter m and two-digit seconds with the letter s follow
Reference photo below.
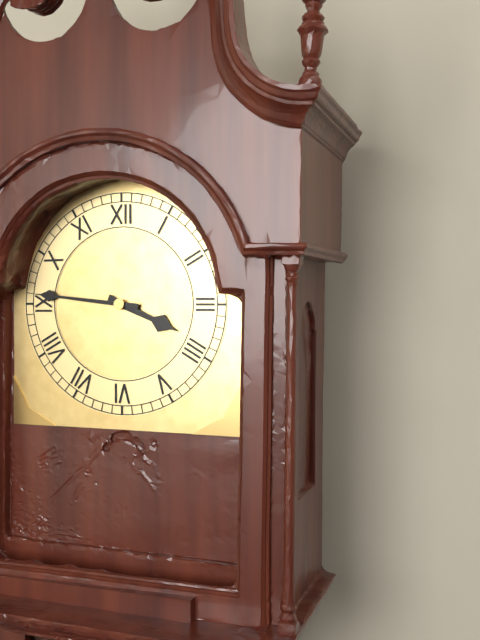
3h46
